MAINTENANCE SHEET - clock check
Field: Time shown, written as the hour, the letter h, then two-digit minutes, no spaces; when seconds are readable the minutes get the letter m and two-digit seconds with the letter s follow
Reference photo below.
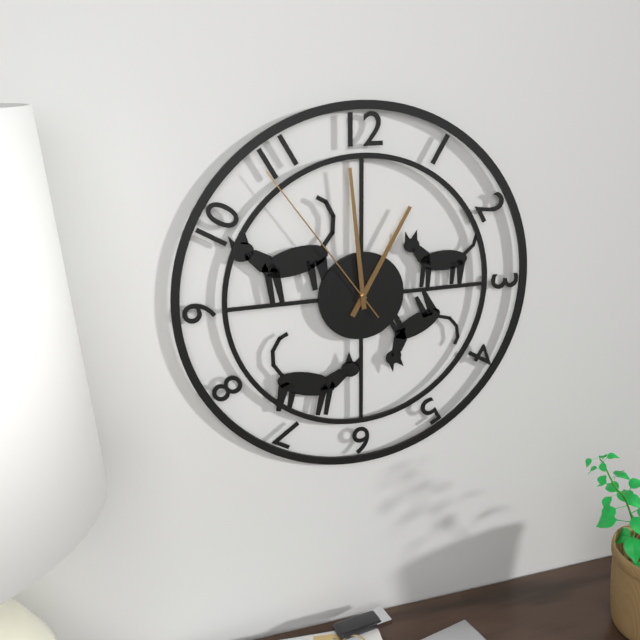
12h59m54s
